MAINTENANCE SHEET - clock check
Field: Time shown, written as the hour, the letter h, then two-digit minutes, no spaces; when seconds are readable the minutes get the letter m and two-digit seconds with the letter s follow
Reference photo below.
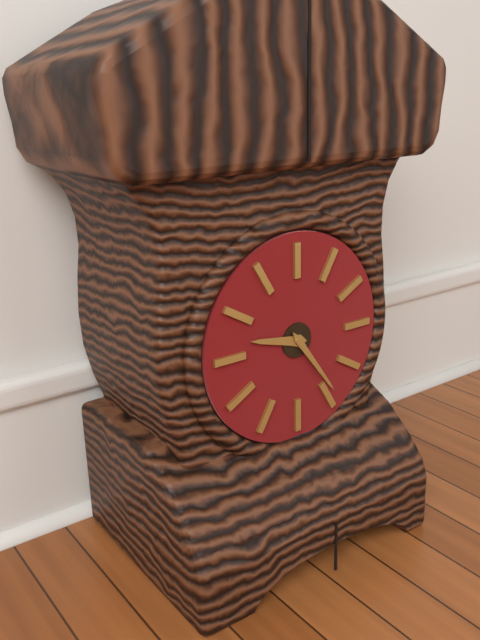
9h24
